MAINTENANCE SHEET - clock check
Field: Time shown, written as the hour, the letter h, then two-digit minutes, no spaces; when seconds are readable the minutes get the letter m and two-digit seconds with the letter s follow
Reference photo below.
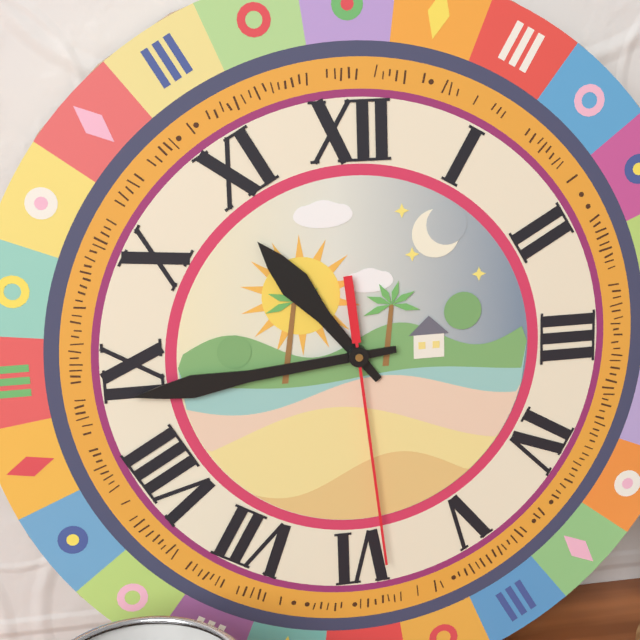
10h44m29s
